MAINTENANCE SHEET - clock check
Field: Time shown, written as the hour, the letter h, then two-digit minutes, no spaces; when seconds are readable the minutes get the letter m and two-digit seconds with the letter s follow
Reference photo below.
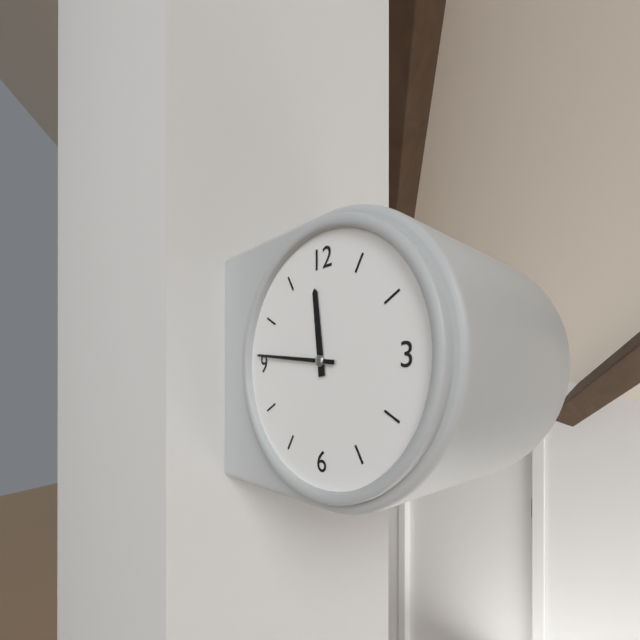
11h46
